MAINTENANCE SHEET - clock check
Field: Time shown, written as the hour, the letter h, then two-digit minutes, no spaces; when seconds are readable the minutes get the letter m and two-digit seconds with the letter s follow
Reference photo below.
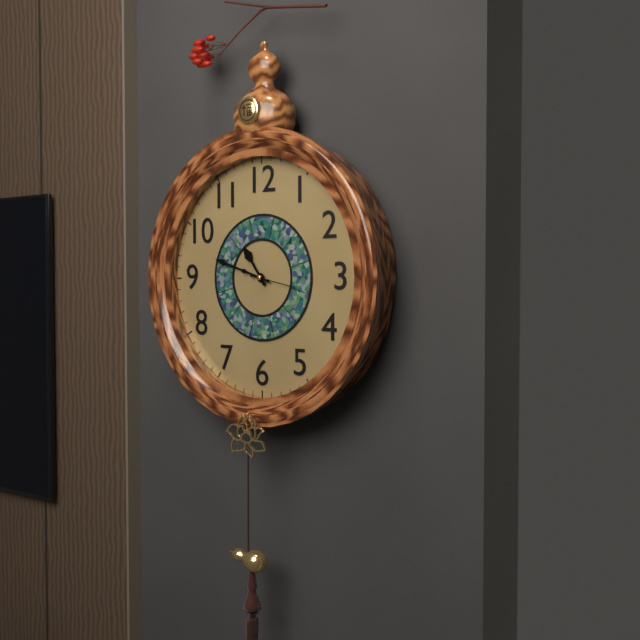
10h48
